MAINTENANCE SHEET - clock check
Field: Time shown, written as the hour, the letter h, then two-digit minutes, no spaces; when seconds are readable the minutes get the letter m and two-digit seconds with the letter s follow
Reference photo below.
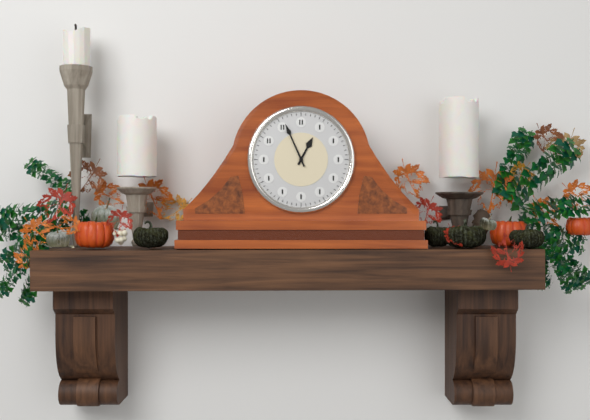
12h56
